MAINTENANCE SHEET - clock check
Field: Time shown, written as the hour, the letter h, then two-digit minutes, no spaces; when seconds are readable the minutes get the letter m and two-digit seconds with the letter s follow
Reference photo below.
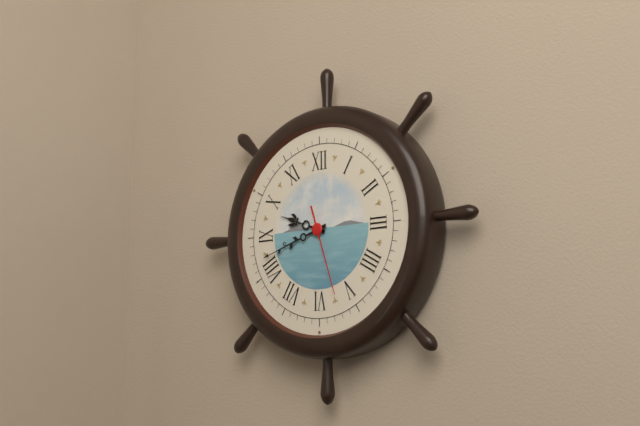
9h42m27s
